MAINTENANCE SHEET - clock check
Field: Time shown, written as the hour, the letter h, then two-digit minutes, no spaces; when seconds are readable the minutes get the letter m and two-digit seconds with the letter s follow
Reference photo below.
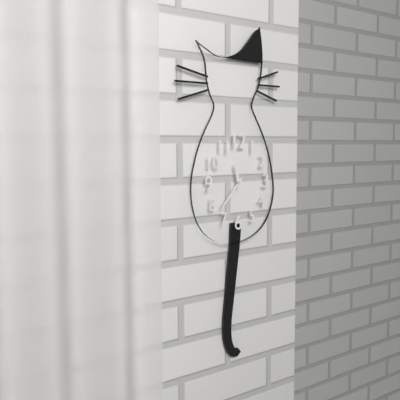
11h37
